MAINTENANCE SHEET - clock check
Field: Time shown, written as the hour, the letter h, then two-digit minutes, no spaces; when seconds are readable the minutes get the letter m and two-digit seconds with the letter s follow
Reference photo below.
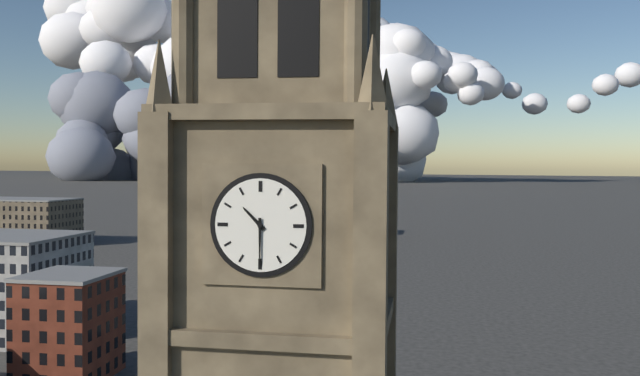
10h30
